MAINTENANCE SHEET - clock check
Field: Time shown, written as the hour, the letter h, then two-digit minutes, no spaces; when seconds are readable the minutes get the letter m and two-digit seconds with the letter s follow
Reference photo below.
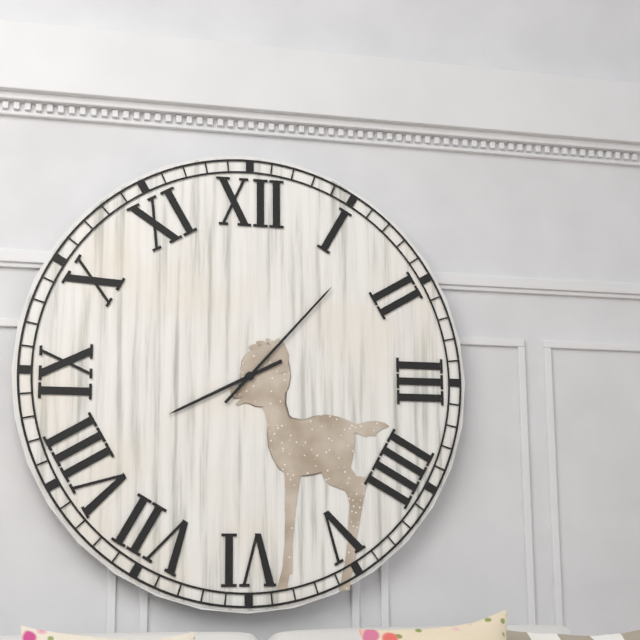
8h07
